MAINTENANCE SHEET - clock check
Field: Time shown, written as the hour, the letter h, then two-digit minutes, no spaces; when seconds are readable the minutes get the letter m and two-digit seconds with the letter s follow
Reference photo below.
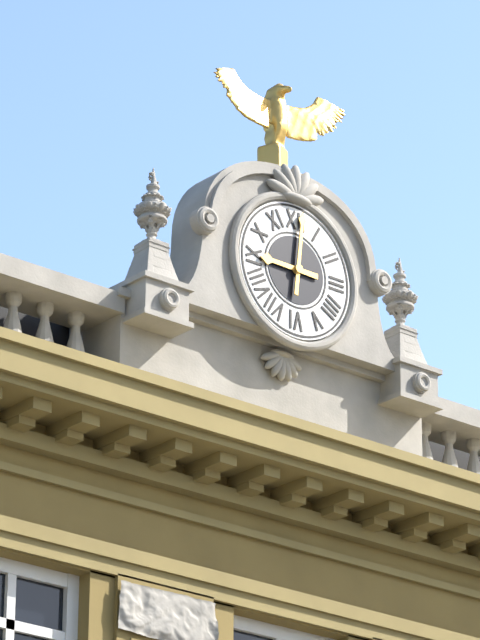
9h01
